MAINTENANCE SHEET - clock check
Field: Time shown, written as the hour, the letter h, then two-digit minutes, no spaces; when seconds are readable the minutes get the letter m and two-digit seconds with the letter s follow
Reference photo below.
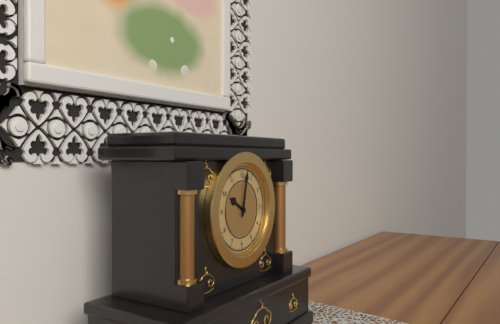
10h02
